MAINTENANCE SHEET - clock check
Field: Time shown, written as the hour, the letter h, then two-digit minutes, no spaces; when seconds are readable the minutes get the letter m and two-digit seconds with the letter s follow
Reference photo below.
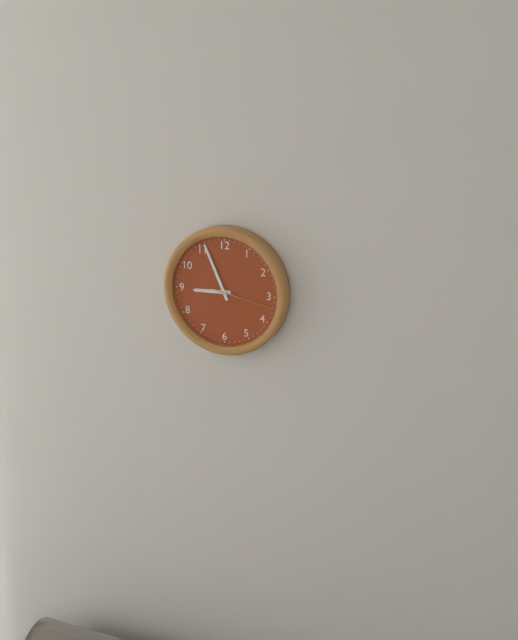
8h56m17s
